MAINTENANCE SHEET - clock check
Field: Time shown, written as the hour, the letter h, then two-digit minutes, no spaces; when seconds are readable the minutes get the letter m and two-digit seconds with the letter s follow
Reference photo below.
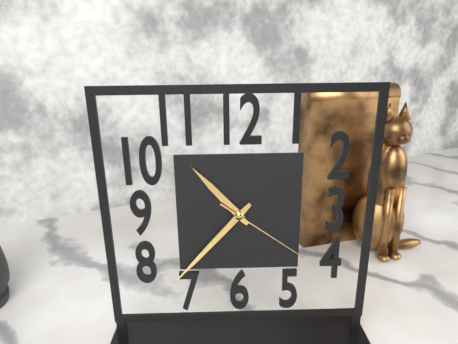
10h37m21s
